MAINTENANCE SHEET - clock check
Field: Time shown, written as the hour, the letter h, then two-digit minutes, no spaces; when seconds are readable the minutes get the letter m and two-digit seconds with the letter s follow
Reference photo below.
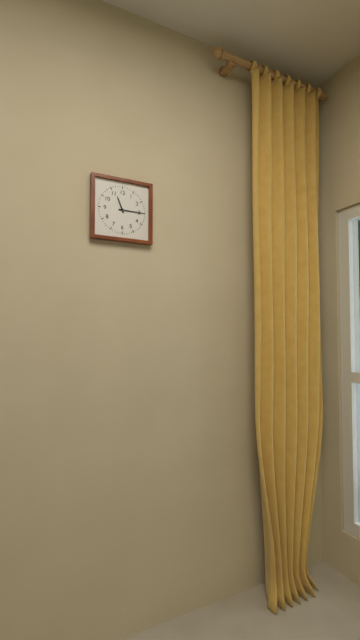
11h15
